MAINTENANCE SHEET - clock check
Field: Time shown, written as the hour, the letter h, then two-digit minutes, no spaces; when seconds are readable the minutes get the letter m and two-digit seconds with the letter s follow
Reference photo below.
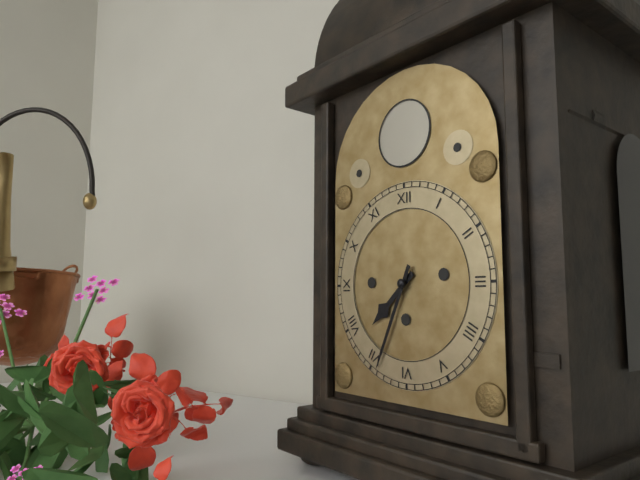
7h34
